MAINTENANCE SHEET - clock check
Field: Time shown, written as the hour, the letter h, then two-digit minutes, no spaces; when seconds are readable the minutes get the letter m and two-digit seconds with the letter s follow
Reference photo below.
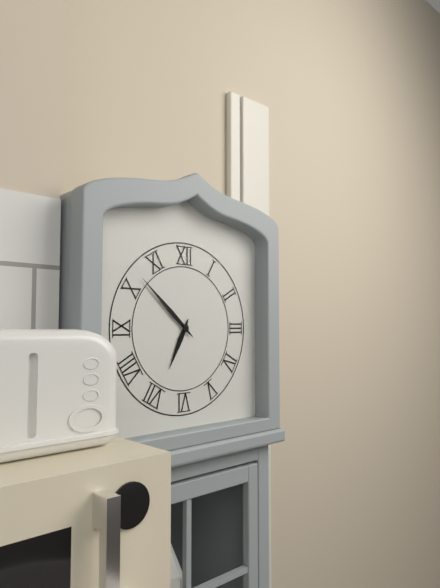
6h52
